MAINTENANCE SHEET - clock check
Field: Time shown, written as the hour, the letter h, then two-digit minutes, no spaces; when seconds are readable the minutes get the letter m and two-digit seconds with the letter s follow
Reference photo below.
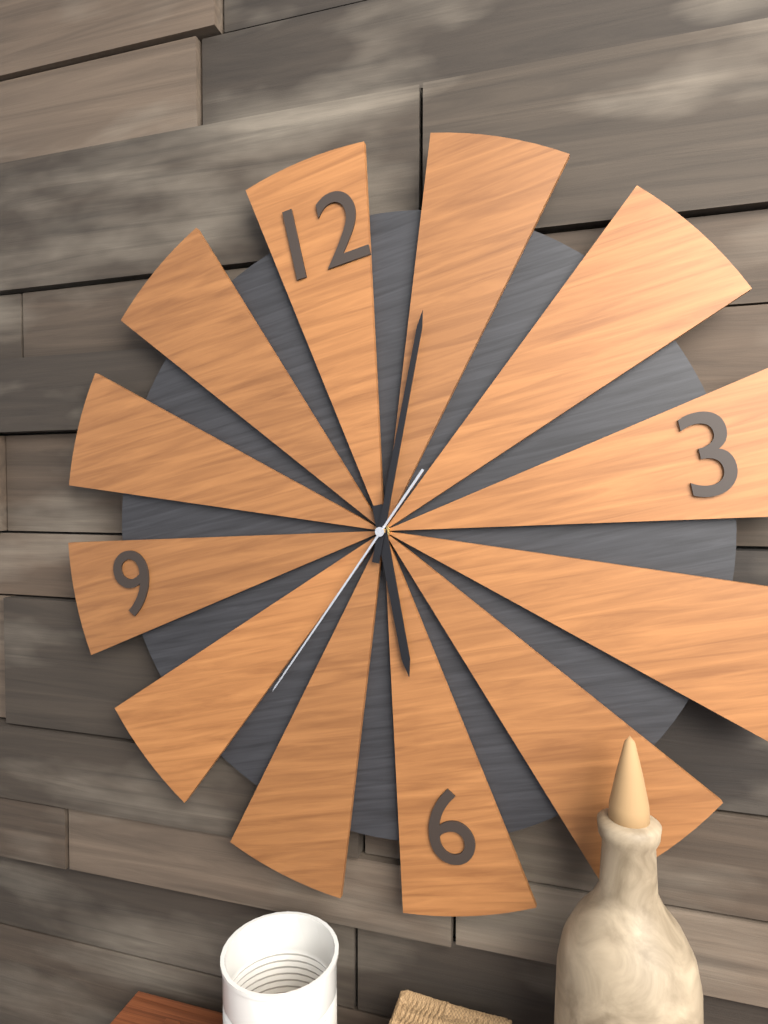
6h04m38s
